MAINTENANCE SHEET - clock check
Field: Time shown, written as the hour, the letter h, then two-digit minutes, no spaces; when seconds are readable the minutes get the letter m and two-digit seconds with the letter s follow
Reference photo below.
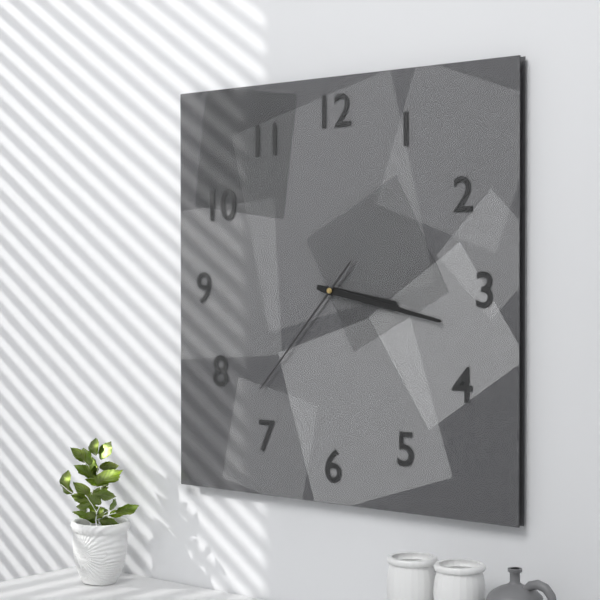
3h17m37s
